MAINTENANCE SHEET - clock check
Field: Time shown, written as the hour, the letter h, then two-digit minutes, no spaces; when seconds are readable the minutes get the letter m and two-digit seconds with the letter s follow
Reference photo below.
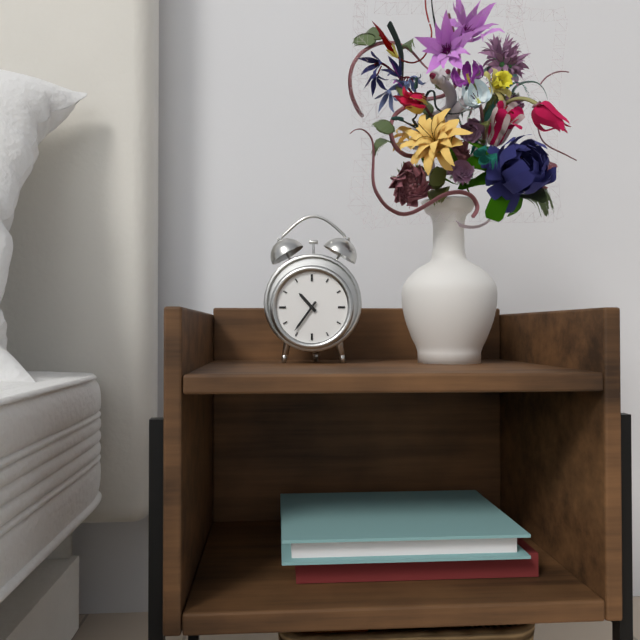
10h36
